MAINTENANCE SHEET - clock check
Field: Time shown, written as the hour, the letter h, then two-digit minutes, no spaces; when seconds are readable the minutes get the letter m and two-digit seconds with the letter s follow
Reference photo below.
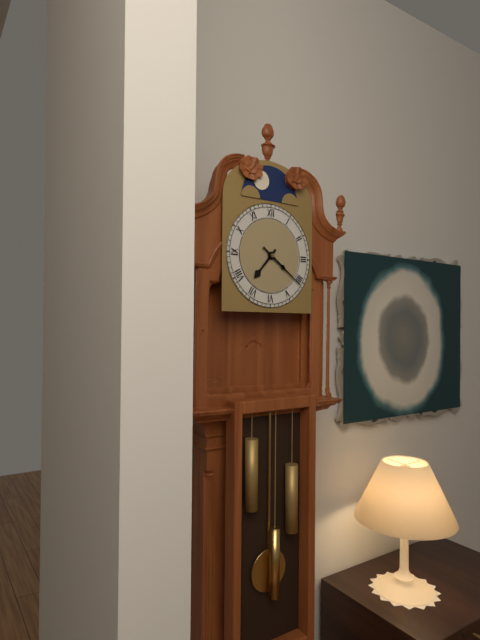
7h21
